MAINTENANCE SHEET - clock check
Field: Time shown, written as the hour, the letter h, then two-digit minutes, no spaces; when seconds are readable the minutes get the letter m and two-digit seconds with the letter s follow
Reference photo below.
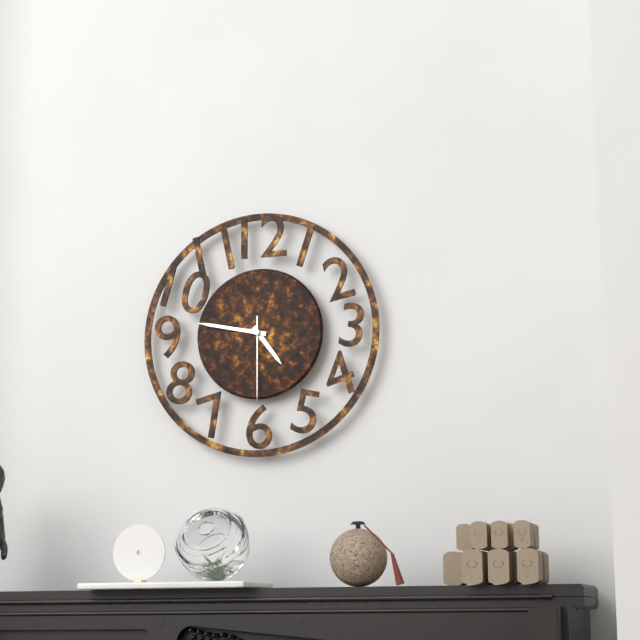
4h47m30s
